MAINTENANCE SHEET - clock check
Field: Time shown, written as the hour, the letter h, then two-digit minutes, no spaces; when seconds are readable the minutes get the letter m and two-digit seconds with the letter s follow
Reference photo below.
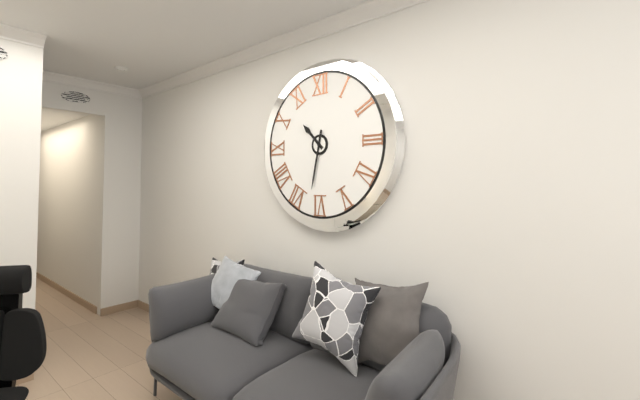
10h32
